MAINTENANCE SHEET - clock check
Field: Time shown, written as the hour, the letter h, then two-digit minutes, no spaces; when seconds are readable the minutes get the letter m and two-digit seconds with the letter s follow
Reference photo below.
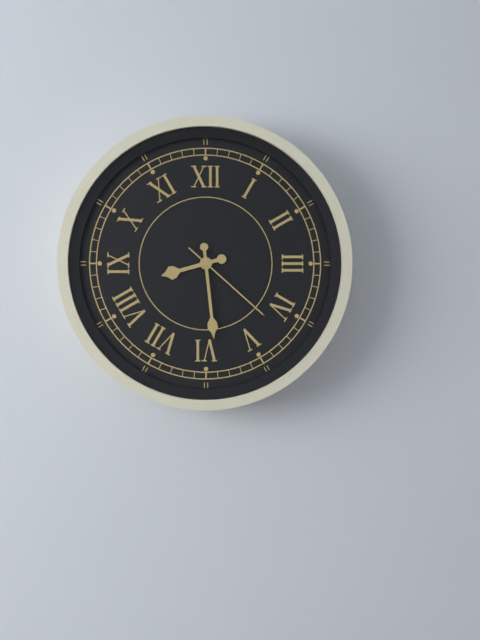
8h29m22s
